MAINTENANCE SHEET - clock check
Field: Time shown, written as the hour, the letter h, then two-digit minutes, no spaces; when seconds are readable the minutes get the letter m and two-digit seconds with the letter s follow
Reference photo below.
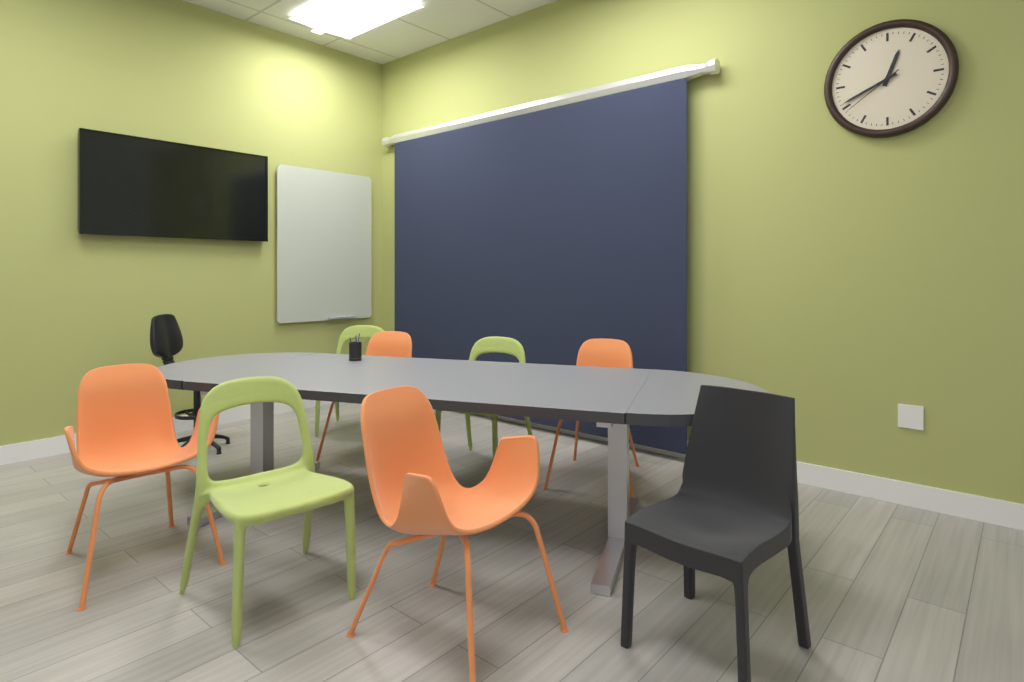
12h41m39s
